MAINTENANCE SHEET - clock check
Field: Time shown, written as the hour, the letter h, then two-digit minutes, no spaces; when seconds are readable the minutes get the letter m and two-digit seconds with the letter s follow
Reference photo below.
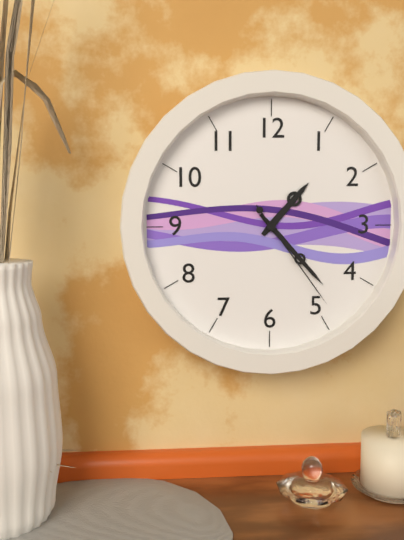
1h23m24s
